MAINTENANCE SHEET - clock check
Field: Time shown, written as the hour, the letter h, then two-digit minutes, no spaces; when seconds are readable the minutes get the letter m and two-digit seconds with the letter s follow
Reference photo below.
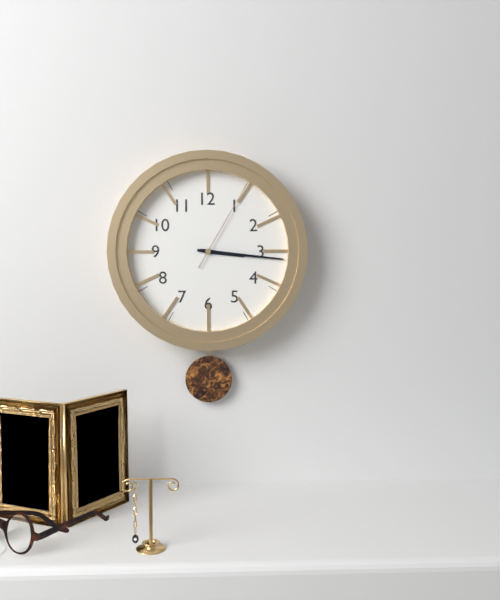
3h16m05s
